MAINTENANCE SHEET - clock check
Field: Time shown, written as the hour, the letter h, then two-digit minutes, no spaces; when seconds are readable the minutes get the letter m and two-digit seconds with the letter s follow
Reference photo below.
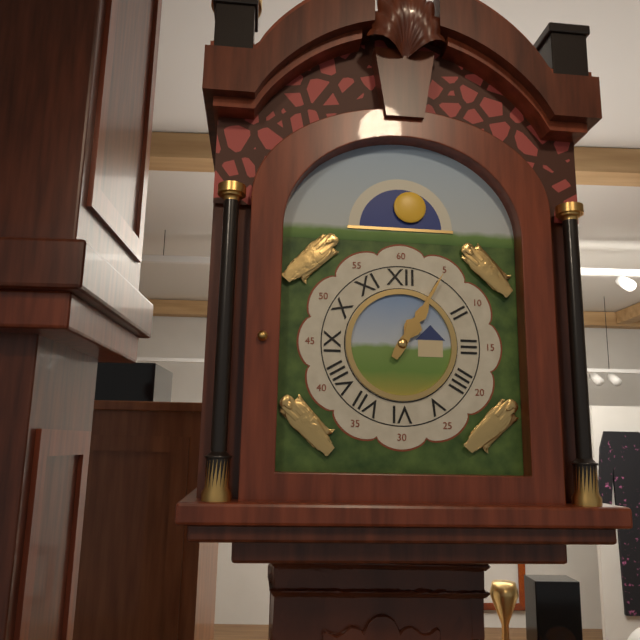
1h05
